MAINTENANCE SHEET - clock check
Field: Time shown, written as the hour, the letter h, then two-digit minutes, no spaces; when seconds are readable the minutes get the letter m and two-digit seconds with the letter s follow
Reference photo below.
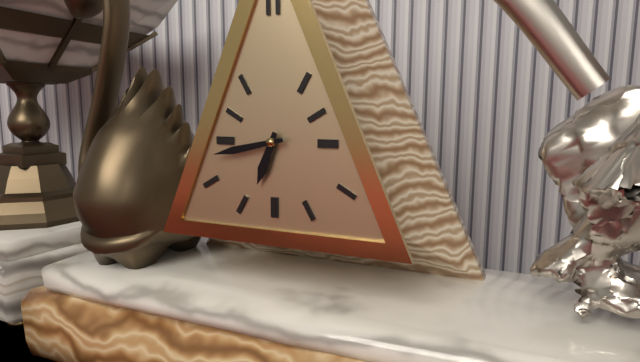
6h43
